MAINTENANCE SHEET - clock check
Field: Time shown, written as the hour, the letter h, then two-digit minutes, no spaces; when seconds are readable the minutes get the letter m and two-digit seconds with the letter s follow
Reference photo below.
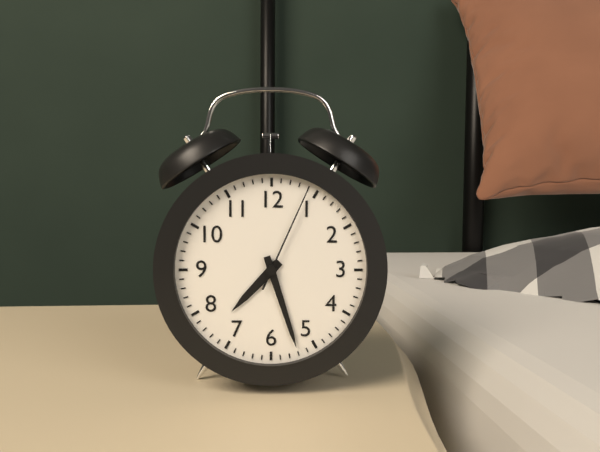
7h27m04s
